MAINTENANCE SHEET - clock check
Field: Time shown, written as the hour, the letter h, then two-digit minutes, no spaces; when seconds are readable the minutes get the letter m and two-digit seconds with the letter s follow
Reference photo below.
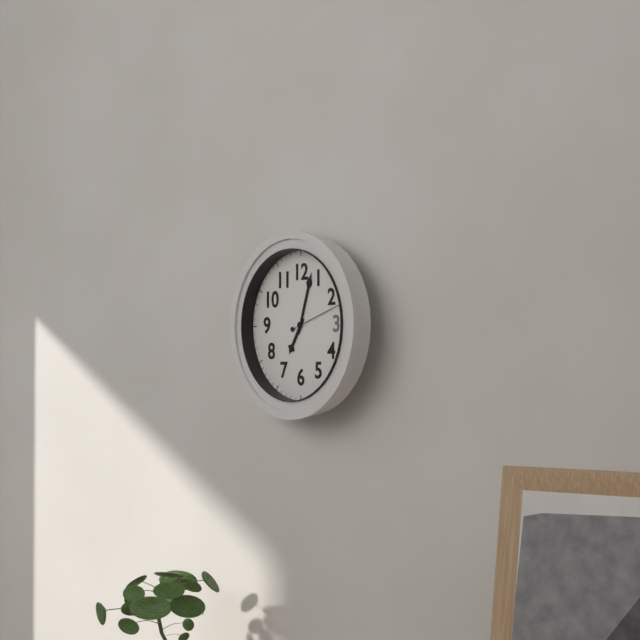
7h03m12s
